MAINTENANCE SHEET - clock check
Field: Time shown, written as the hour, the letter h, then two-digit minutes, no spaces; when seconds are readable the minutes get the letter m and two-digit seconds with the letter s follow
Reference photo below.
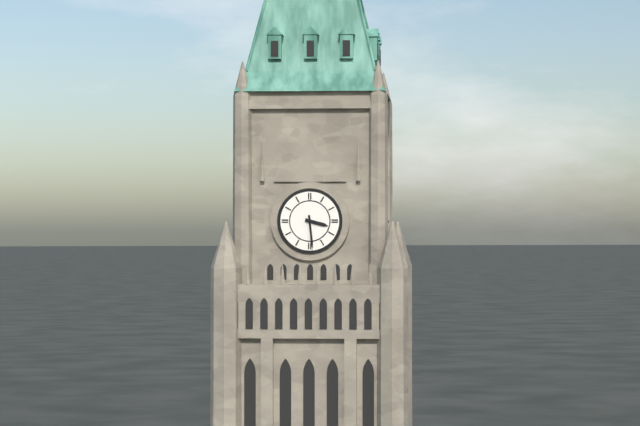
3h29
